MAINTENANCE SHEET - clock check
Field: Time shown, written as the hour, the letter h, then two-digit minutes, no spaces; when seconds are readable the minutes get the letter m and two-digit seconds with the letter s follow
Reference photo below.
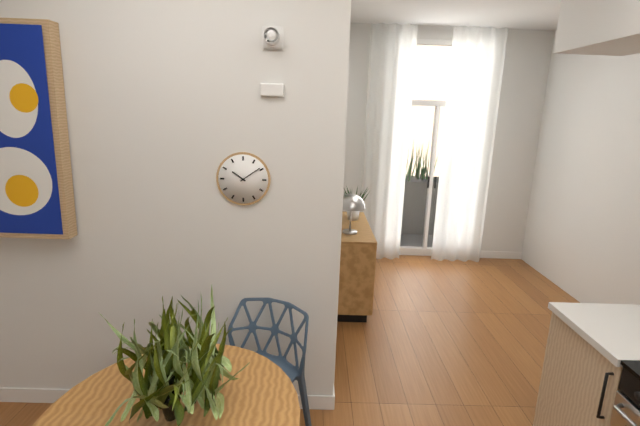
10h09
